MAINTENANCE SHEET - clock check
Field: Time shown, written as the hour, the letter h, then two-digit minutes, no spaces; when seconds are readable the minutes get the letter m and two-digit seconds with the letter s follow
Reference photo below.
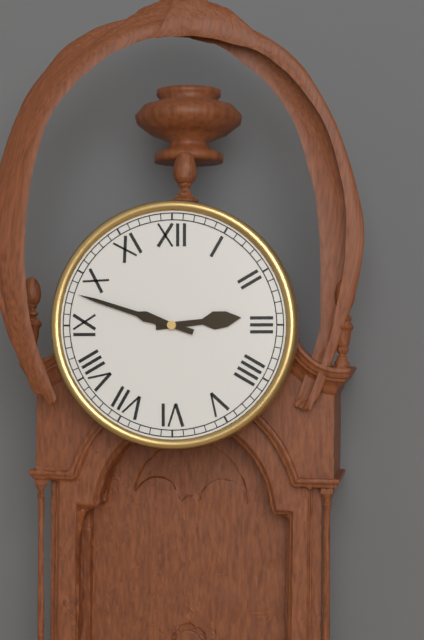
2h48
